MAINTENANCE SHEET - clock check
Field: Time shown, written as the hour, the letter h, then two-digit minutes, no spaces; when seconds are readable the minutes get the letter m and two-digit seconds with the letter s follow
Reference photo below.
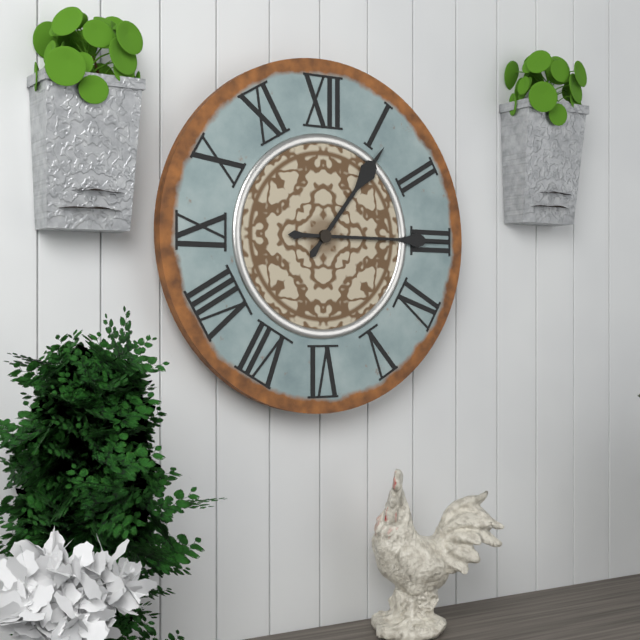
1h15
